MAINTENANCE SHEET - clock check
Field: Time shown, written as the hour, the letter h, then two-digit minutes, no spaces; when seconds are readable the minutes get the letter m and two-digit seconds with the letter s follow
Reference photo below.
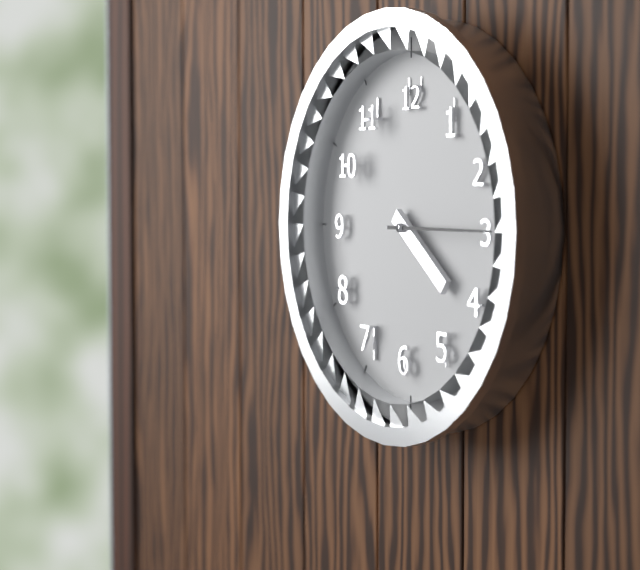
4h15
